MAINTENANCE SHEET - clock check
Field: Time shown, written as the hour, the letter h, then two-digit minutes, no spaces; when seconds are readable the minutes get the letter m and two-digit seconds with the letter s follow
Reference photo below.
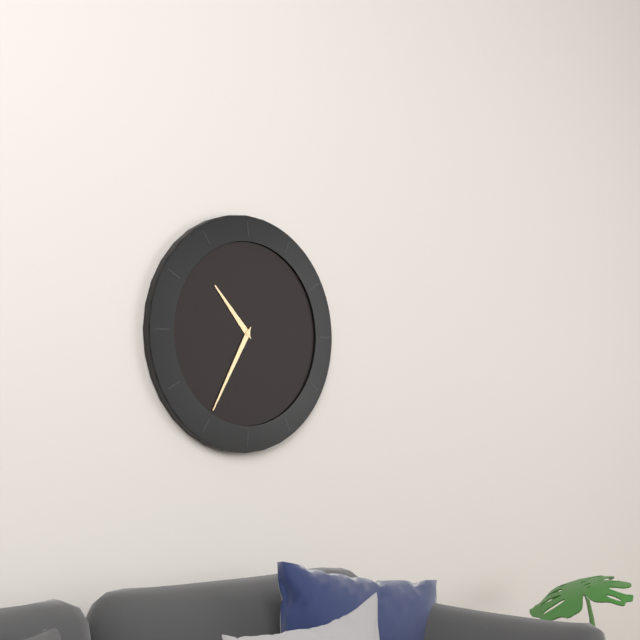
10h35
